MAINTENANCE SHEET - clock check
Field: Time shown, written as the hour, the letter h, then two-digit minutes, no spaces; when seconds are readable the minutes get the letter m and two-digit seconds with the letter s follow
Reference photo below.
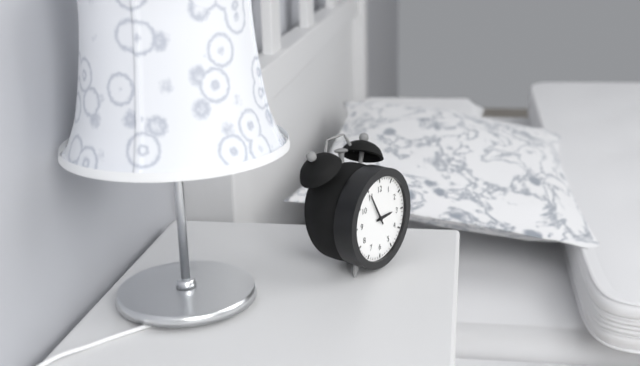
2h55
